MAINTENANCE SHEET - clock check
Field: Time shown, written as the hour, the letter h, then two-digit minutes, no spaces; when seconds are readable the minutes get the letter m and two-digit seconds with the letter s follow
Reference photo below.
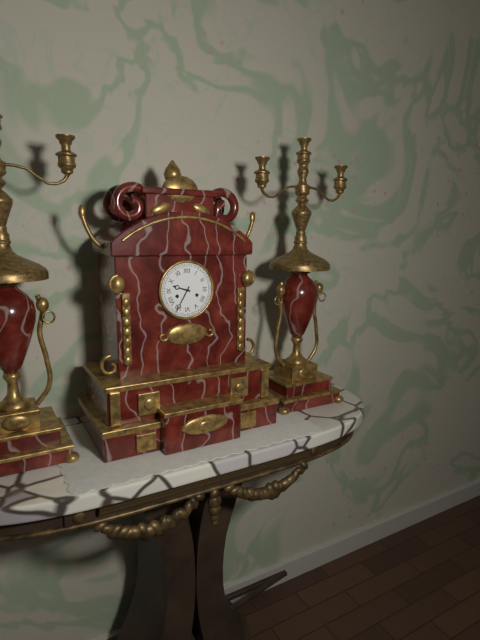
9h35
